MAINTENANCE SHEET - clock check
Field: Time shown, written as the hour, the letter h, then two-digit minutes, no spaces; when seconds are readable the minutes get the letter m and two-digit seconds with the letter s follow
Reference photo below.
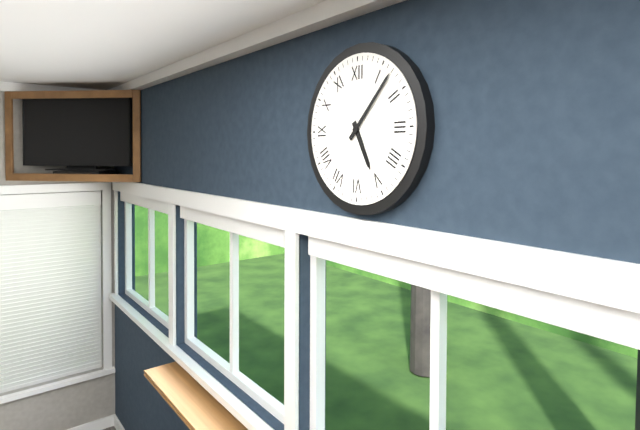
5h07
